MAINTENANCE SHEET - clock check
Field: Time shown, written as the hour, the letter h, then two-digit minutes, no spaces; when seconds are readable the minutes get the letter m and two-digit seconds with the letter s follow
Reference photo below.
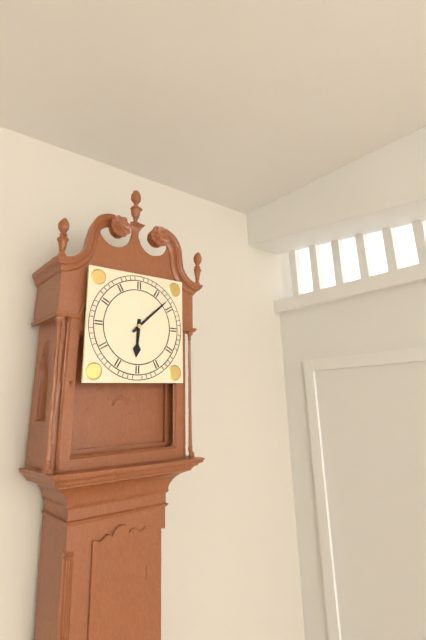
6h08
